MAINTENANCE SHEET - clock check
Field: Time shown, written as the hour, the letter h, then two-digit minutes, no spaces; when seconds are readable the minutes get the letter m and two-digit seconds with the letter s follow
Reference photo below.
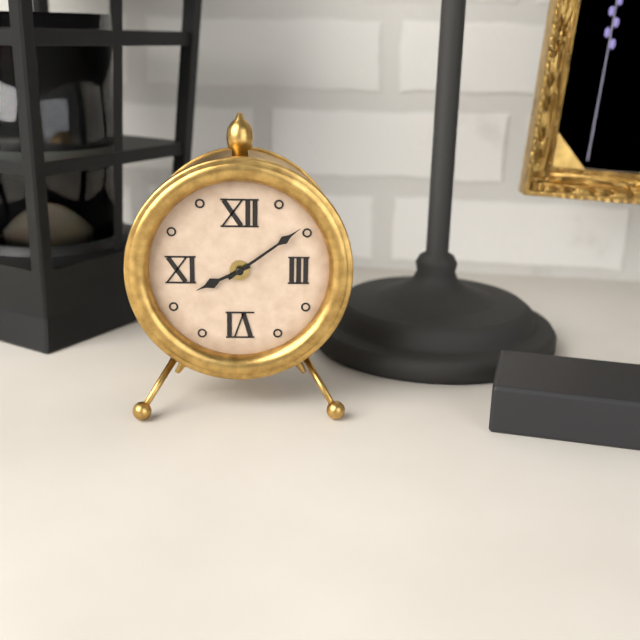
8h09
